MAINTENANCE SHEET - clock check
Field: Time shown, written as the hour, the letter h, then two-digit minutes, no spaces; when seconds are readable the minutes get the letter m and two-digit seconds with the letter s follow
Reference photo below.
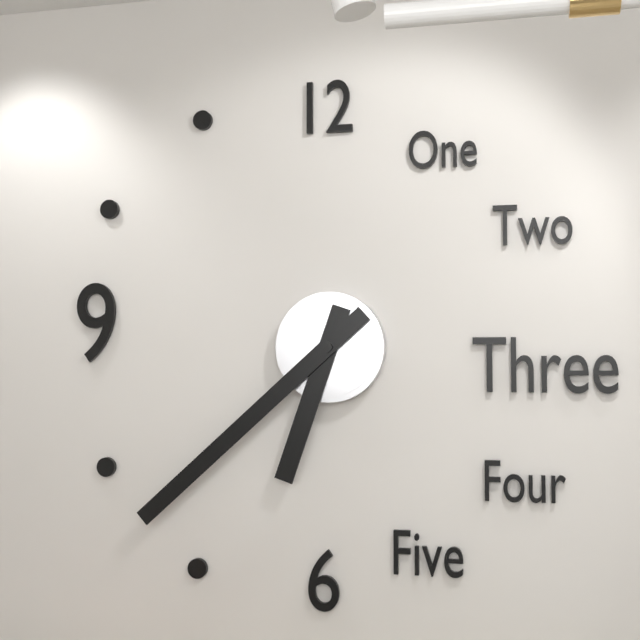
6h38
